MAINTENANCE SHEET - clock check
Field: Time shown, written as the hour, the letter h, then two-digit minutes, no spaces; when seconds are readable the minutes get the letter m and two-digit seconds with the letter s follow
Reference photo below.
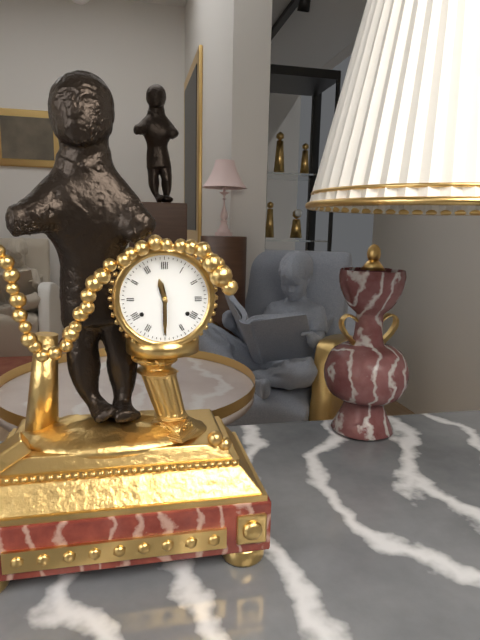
11h30
